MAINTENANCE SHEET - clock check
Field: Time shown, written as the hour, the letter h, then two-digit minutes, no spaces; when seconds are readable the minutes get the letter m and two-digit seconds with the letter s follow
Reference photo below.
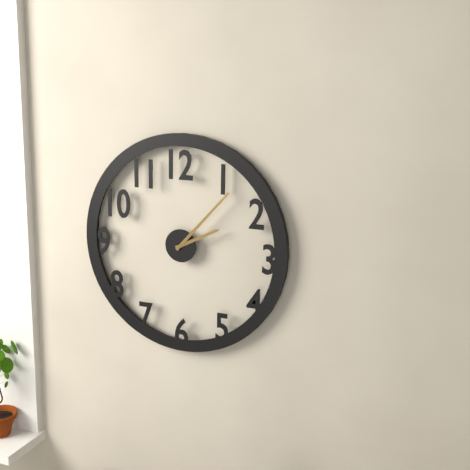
2h07
